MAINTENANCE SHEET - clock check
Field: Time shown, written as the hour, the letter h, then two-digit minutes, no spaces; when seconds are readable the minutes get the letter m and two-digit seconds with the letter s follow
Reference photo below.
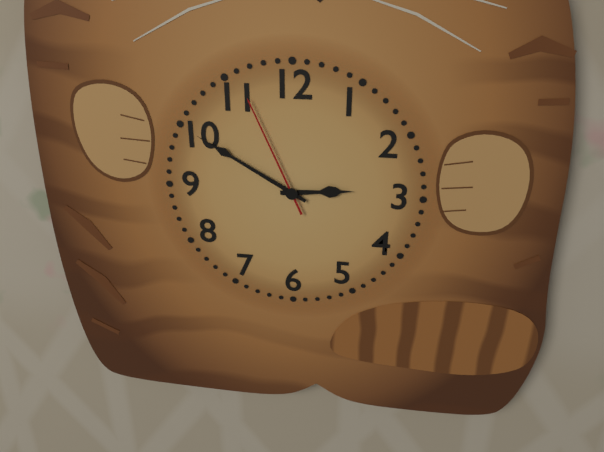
2h50m56s
